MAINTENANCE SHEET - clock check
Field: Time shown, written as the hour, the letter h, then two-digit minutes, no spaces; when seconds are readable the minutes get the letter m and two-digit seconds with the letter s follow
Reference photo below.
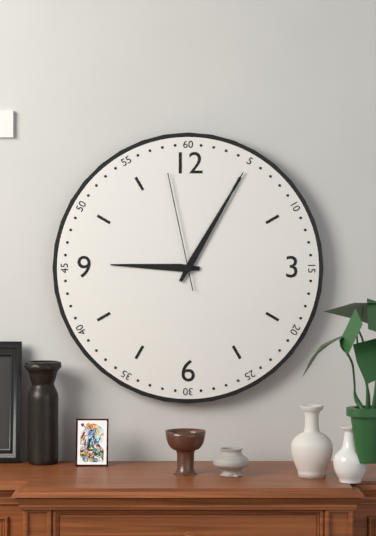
9h05m58s
